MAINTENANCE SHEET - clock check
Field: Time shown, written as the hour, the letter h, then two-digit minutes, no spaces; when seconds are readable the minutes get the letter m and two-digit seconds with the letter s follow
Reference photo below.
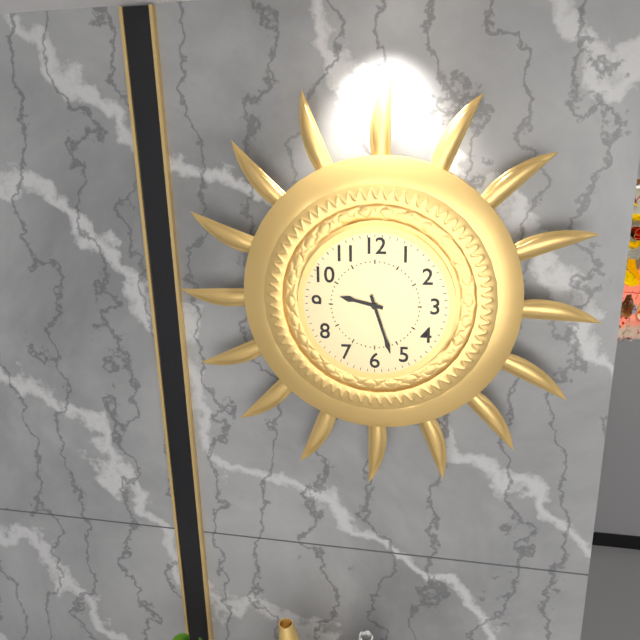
9h27
